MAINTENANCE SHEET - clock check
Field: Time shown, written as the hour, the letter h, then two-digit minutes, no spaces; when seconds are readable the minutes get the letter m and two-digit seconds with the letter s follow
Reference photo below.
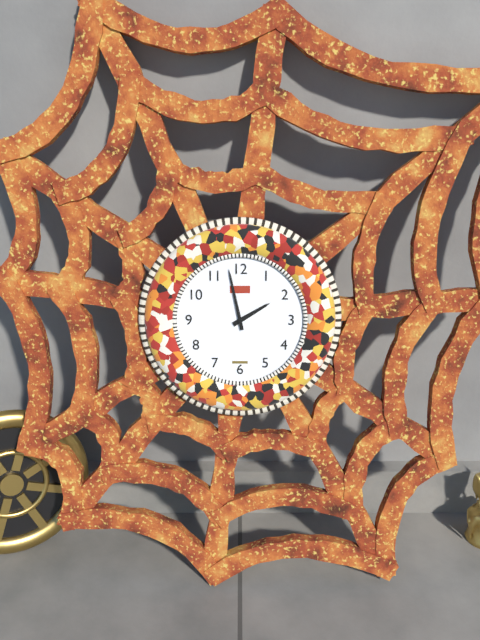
1h58
